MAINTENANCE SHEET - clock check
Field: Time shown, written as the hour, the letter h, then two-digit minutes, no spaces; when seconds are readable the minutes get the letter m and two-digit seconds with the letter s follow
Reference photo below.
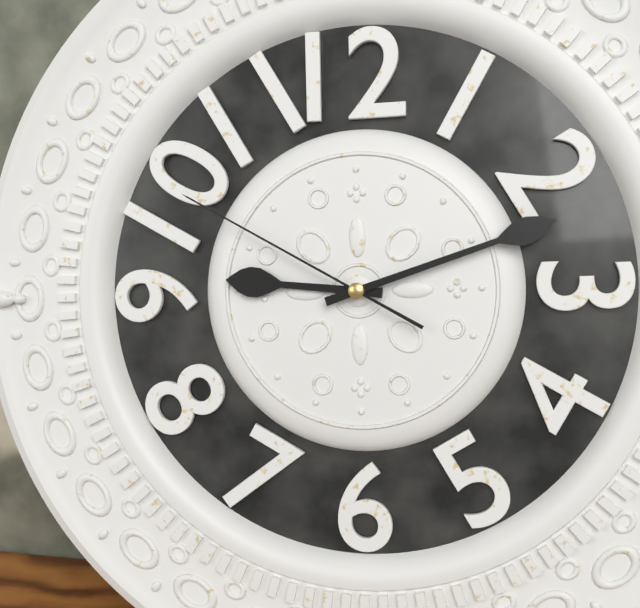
9h12m50s
